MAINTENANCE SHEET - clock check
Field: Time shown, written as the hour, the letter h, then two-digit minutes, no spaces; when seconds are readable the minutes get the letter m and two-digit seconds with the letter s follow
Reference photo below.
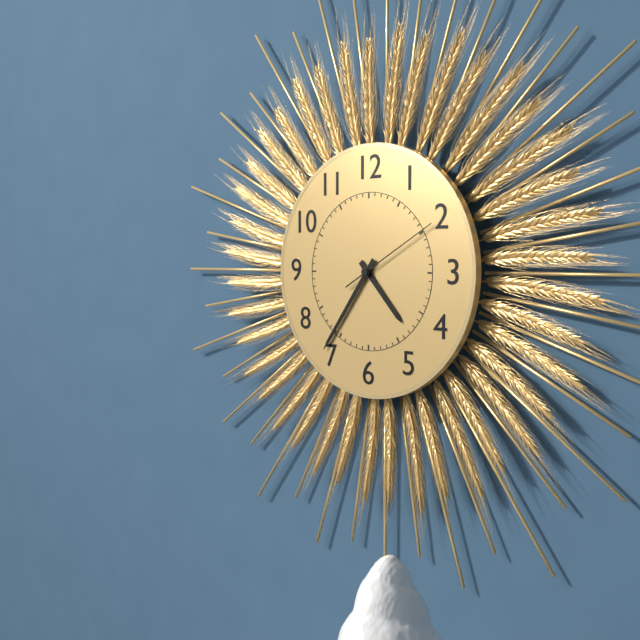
4h36m10s
